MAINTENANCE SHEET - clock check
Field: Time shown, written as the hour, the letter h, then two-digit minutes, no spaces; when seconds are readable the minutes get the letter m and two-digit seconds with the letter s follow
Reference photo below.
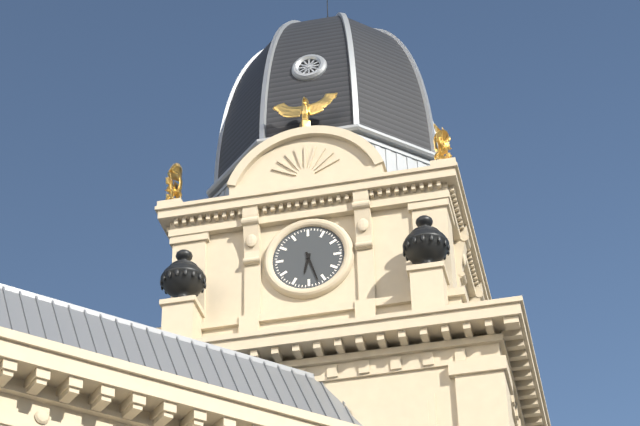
6h27
